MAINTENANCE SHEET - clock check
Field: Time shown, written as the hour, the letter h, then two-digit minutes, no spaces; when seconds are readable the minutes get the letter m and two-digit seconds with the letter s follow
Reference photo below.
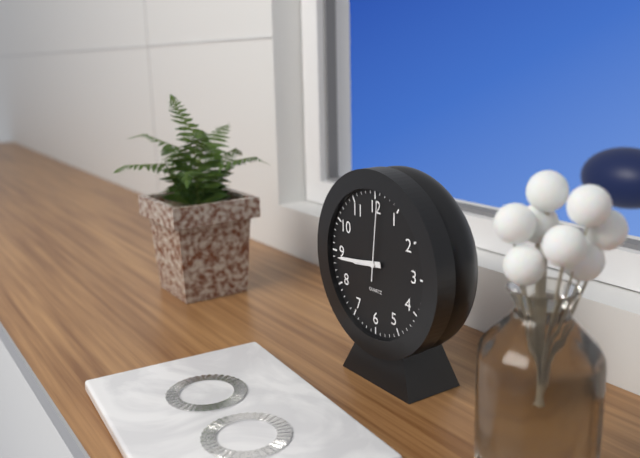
8h44m01s
